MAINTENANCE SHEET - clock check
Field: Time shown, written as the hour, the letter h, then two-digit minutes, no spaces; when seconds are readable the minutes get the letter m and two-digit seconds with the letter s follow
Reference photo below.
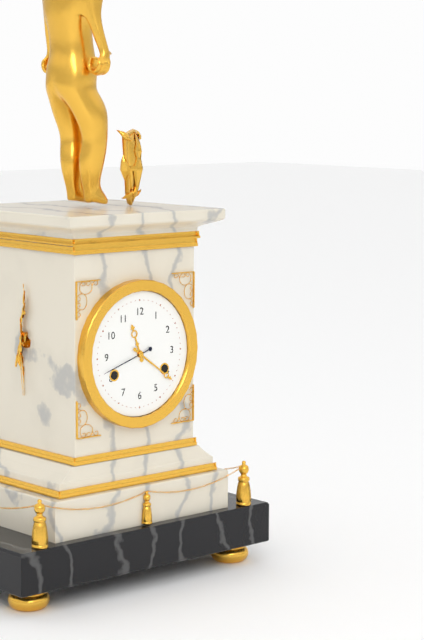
11h21m42s
